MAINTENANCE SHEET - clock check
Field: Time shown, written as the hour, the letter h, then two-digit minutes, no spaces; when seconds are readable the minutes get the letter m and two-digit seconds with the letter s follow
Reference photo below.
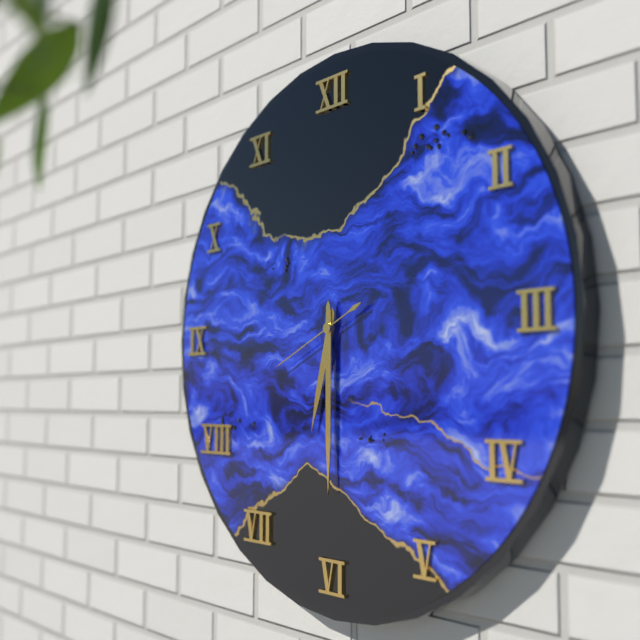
6h30m41s
